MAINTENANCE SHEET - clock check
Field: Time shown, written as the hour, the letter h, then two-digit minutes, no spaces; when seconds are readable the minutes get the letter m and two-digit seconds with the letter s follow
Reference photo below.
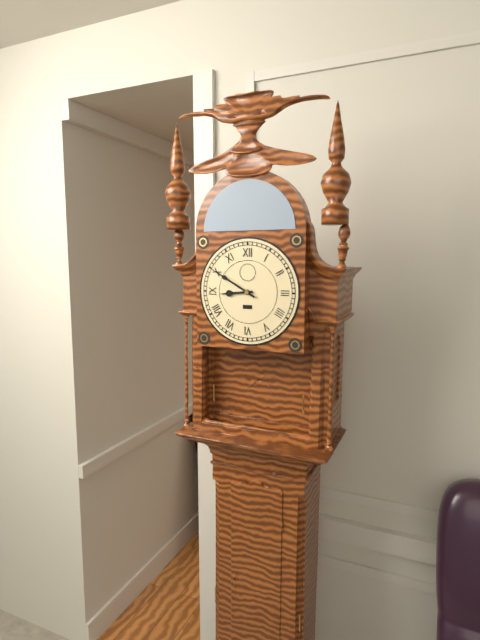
8h50
